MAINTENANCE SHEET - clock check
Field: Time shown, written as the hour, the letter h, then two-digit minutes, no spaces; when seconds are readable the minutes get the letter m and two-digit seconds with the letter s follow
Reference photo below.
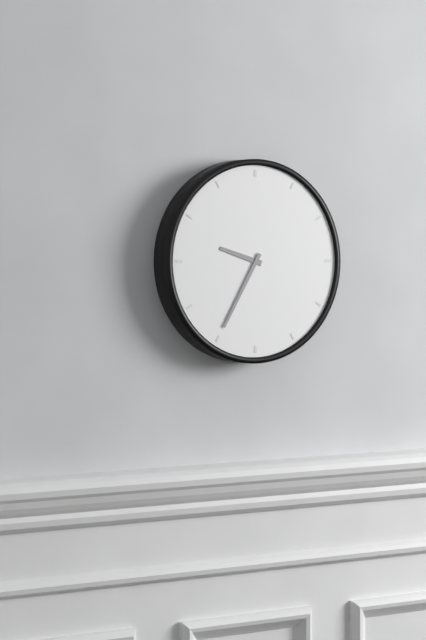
9h35
